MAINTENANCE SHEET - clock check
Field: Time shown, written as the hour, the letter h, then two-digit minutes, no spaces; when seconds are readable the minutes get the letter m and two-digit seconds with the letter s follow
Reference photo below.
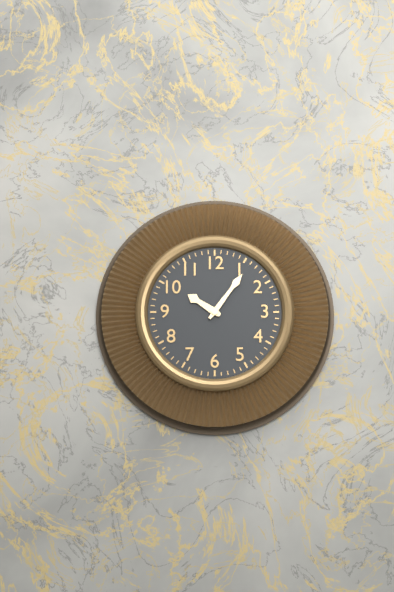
10h06
